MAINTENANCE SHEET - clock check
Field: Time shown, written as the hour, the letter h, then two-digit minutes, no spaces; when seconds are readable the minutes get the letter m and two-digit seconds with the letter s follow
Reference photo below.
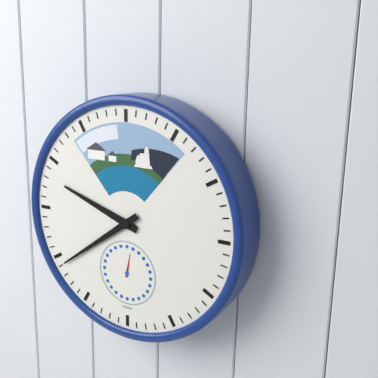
9h39
